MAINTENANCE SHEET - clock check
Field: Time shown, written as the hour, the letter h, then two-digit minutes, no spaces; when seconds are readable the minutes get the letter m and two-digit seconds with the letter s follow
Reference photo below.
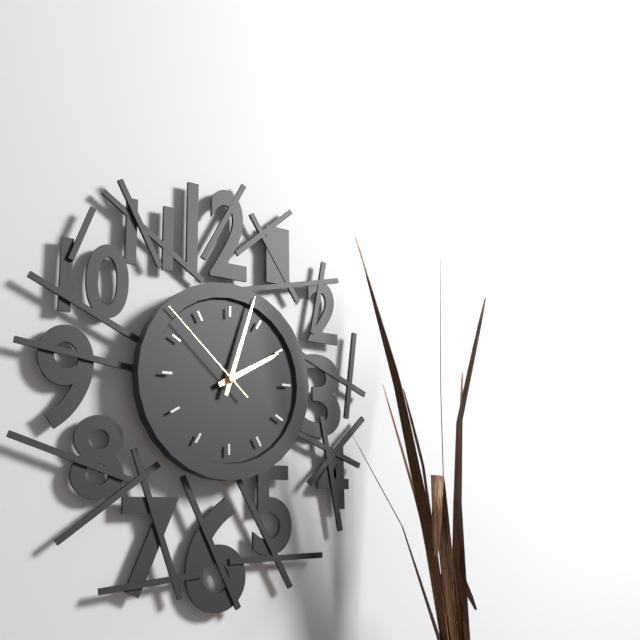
2h03m52s
